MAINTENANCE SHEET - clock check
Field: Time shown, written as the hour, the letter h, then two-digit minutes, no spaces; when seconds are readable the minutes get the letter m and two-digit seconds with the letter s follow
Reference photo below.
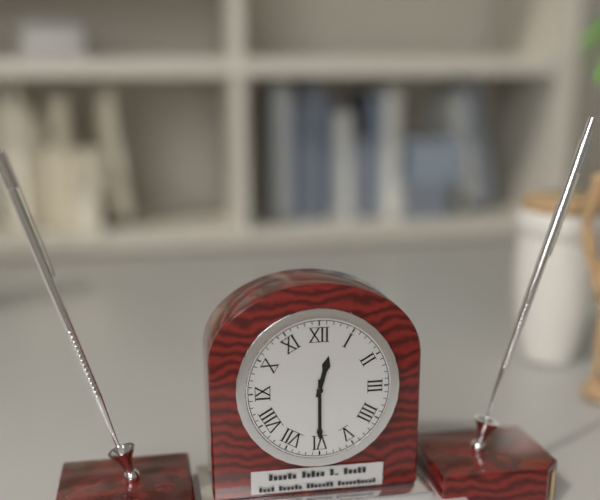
12h30
